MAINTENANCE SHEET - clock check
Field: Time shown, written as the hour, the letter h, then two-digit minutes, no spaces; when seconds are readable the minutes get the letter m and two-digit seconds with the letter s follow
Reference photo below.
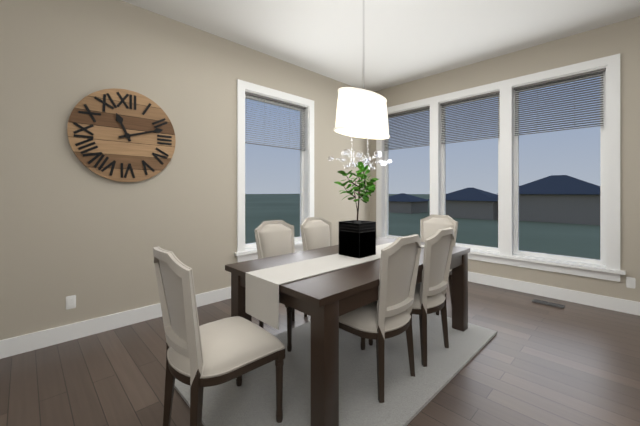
11h12
